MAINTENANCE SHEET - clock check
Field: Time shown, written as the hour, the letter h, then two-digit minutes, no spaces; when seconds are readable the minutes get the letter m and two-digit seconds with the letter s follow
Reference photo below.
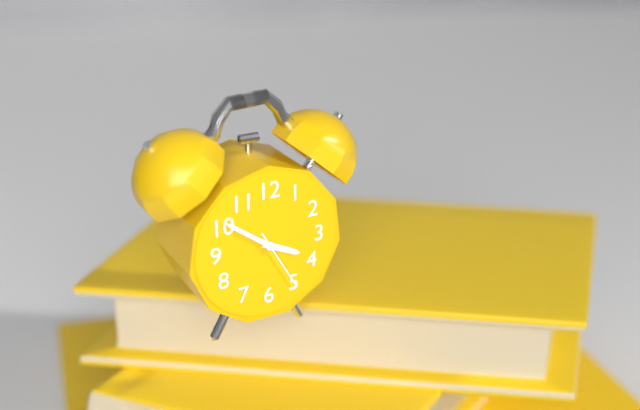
3h51m25s
